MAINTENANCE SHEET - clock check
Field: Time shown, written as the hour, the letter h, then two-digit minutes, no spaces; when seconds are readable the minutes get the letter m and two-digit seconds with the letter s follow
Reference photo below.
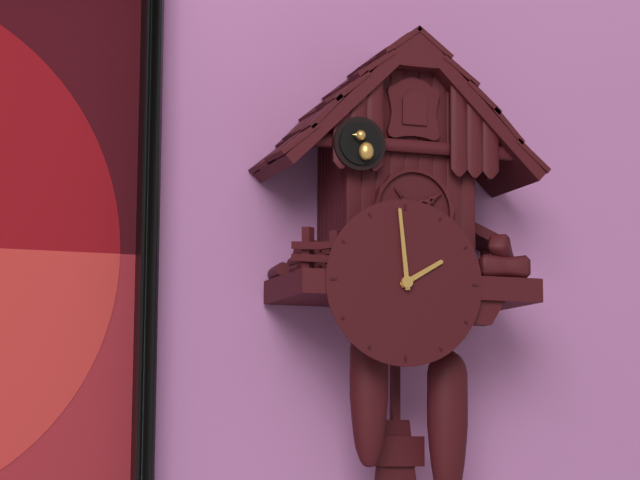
1h59
